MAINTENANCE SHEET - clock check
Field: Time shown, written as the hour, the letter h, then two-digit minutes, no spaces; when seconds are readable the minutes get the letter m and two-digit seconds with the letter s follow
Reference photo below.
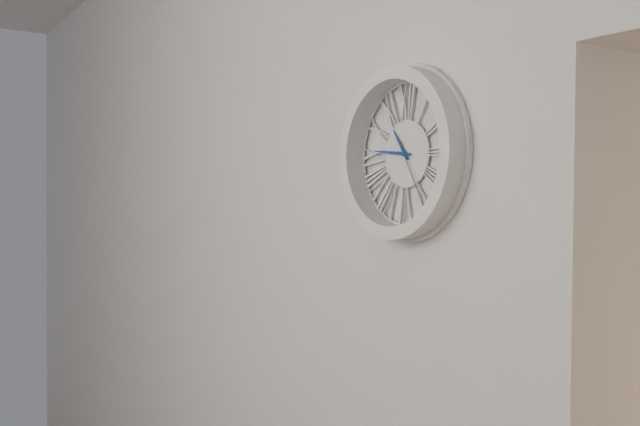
10h46m25s
